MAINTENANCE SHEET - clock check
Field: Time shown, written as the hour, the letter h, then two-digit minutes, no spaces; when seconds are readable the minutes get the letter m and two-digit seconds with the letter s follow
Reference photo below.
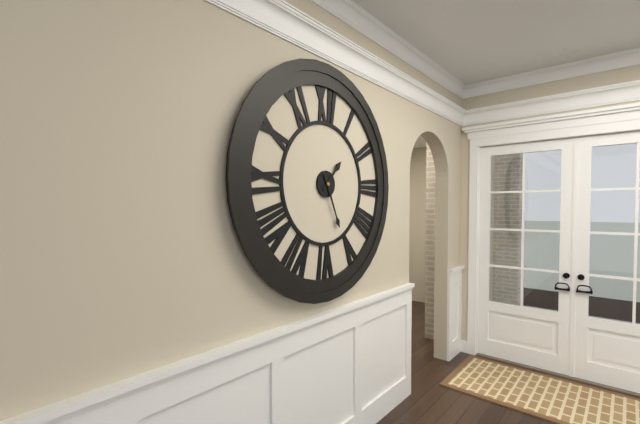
1h26
